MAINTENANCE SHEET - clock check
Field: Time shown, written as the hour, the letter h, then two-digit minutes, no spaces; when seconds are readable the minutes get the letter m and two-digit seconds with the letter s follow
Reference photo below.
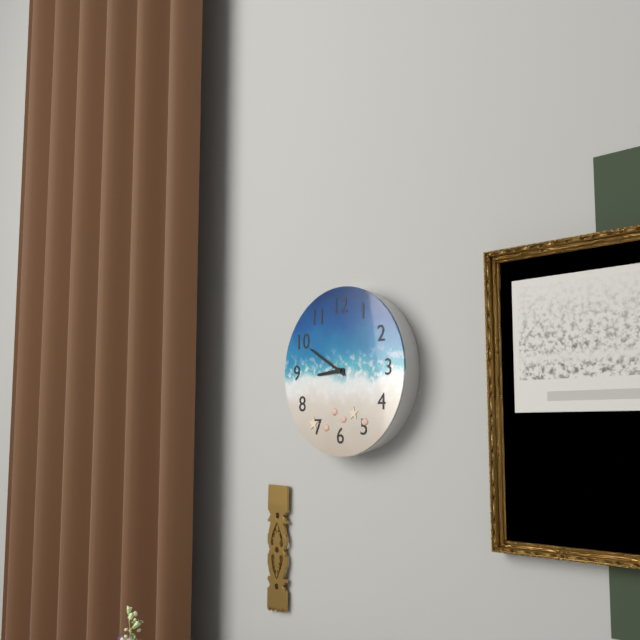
8h50
